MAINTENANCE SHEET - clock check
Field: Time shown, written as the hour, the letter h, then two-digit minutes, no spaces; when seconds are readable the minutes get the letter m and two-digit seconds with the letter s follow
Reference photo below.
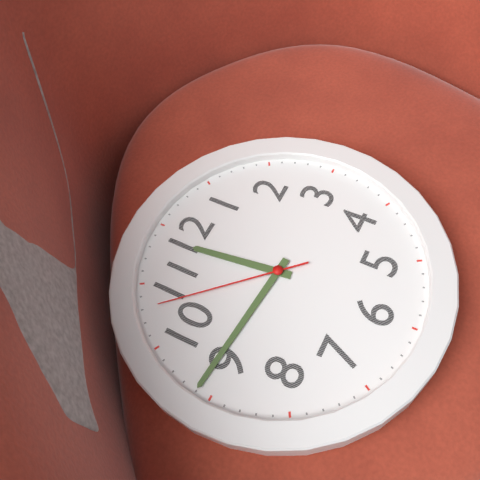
11h46m53s
